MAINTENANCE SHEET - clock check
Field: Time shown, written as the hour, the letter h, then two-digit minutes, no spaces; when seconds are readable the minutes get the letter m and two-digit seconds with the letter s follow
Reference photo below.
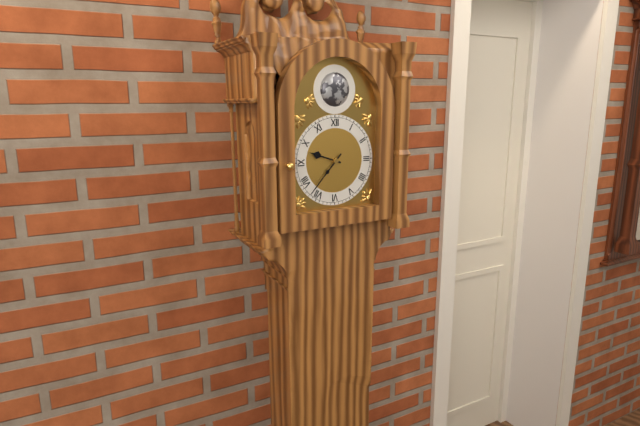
9h37
